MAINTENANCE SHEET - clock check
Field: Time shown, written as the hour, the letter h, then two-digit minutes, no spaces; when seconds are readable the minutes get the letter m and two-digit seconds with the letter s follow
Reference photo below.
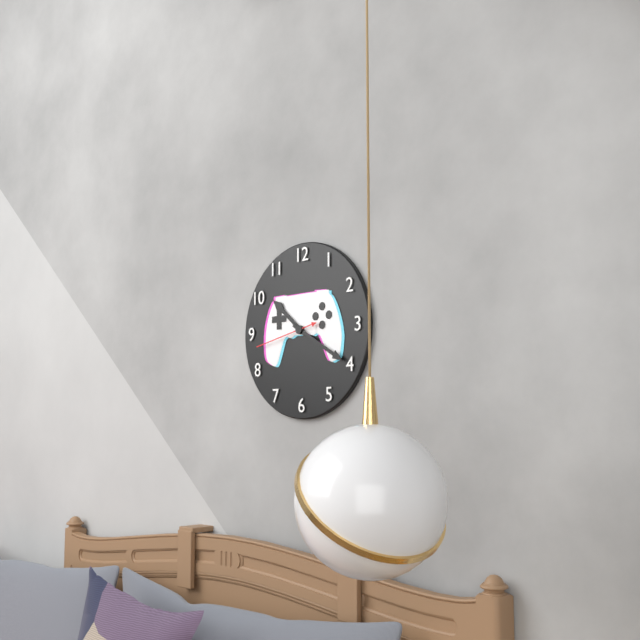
10h20m43s
